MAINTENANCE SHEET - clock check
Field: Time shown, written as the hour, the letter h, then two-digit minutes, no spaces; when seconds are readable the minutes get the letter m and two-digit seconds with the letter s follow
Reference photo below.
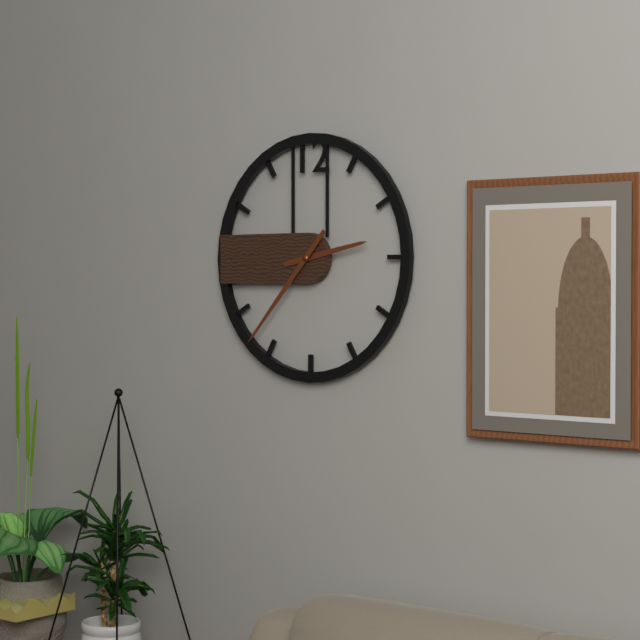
2h37
